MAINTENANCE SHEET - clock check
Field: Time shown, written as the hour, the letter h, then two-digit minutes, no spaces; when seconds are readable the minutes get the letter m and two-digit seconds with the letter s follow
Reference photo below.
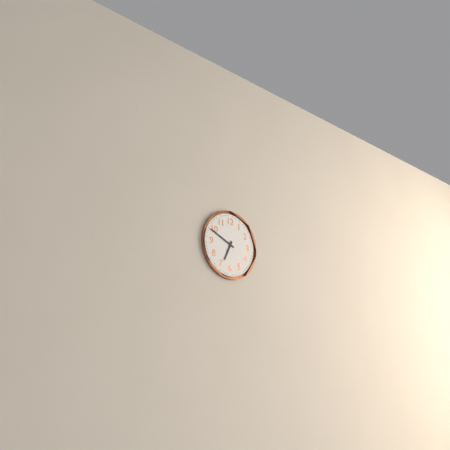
6h49
